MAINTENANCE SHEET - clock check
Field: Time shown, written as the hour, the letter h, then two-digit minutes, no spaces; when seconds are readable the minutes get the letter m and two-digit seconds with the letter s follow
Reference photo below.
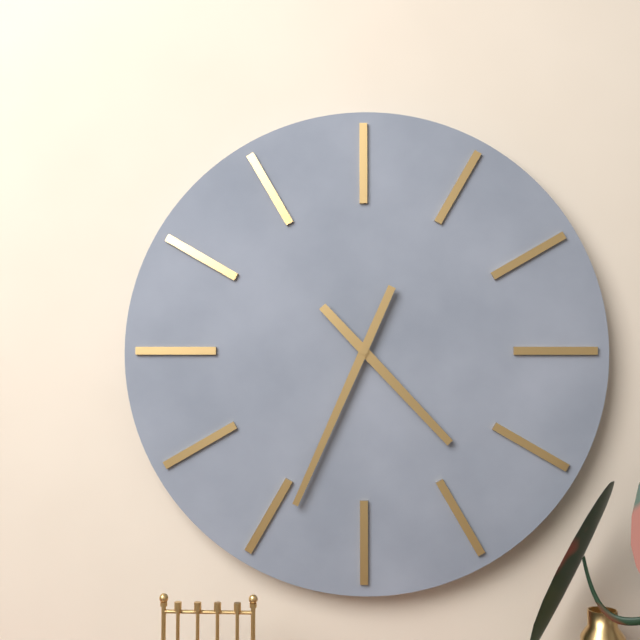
4h34
